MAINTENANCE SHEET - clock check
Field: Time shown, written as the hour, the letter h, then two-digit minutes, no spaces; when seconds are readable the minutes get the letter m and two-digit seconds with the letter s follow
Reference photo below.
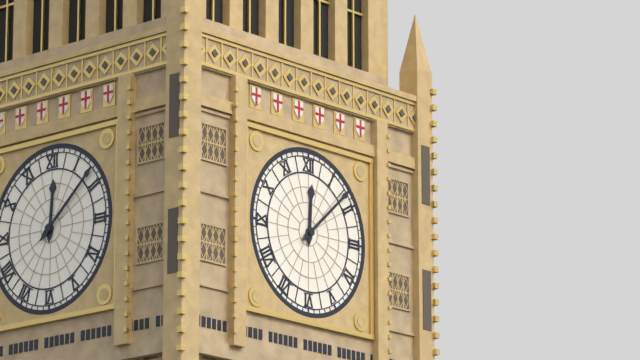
12h08
